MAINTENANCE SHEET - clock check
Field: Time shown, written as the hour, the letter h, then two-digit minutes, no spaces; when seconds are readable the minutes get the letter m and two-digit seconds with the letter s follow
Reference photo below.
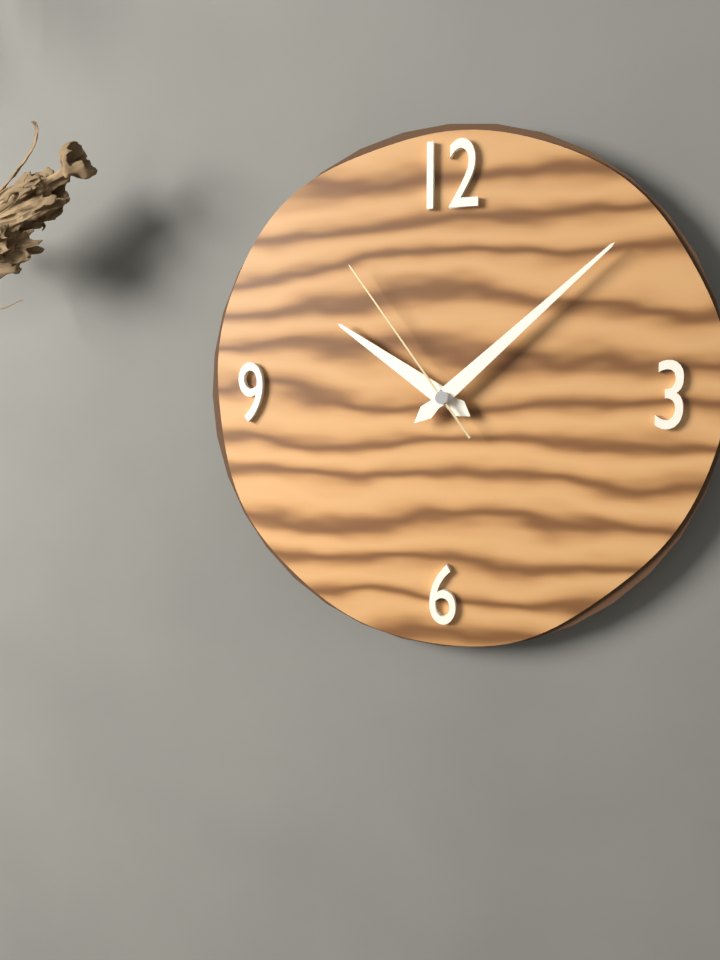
10h08m54s
